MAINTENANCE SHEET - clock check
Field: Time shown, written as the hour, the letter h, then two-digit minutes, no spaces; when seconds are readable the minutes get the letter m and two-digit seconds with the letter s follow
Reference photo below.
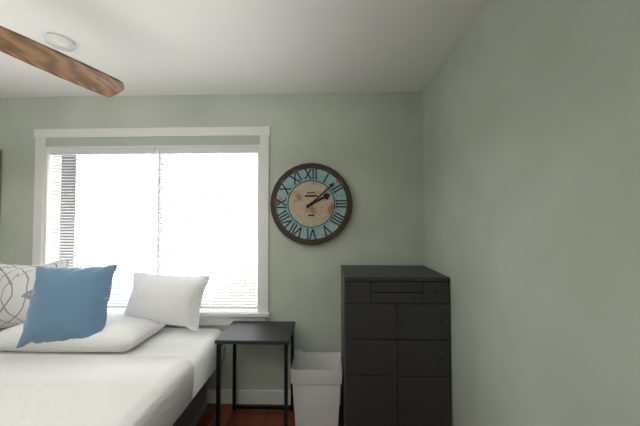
2h08
